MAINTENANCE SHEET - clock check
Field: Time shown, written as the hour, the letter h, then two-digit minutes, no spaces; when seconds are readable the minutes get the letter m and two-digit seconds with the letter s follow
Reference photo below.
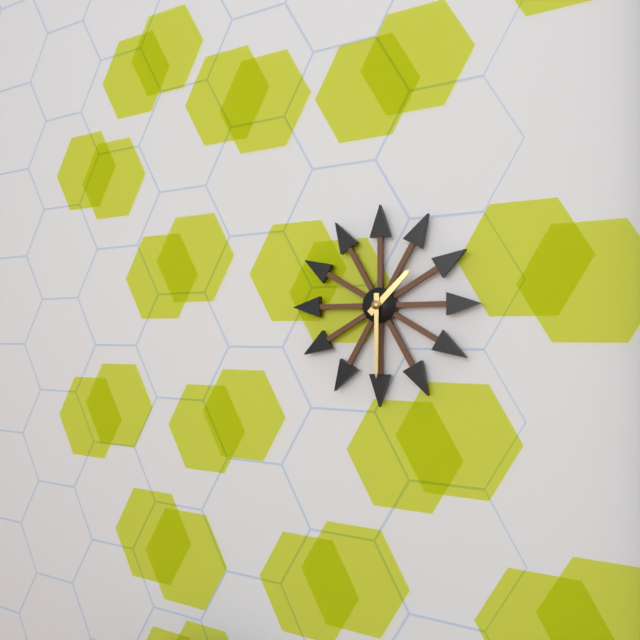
1h30
